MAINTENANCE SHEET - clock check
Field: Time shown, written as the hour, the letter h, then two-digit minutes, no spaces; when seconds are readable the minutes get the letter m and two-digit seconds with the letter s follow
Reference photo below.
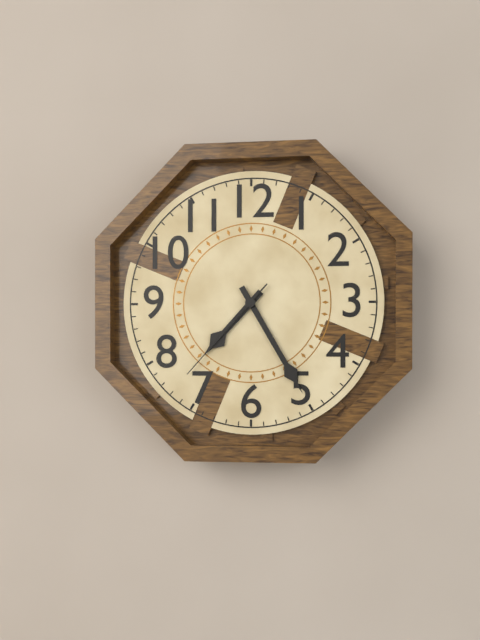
7h25m37s
